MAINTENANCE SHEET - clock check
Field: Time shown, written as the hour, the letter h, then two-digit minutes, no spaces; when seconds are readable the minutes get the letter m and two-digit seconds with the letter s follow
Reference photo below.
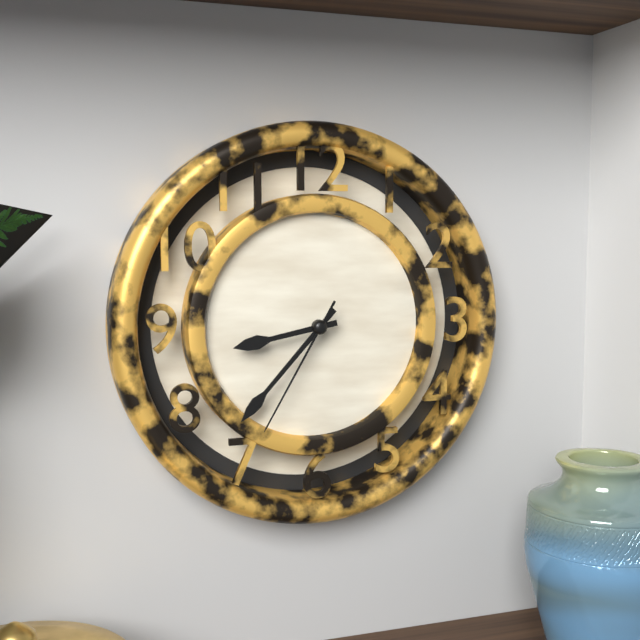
8h37m35s
